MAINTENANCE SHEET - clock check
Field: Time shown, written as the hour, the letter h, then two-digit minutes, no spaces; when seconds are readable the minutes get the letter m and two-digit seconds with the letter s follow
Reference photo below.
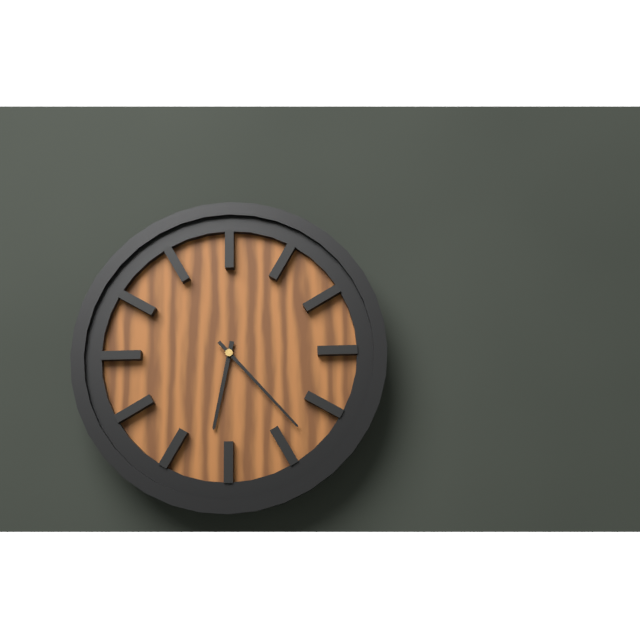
6h23
